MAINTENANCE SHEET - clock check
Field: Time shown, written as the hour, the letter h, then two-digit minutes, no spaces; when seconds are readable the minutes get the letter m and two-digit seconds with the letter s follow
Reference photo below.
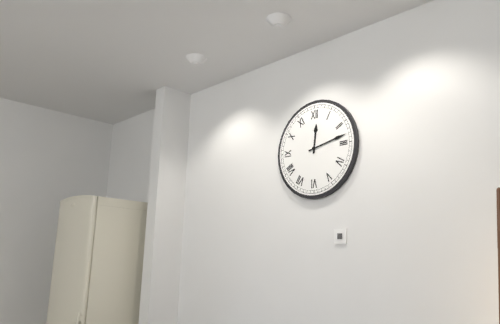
12h13
